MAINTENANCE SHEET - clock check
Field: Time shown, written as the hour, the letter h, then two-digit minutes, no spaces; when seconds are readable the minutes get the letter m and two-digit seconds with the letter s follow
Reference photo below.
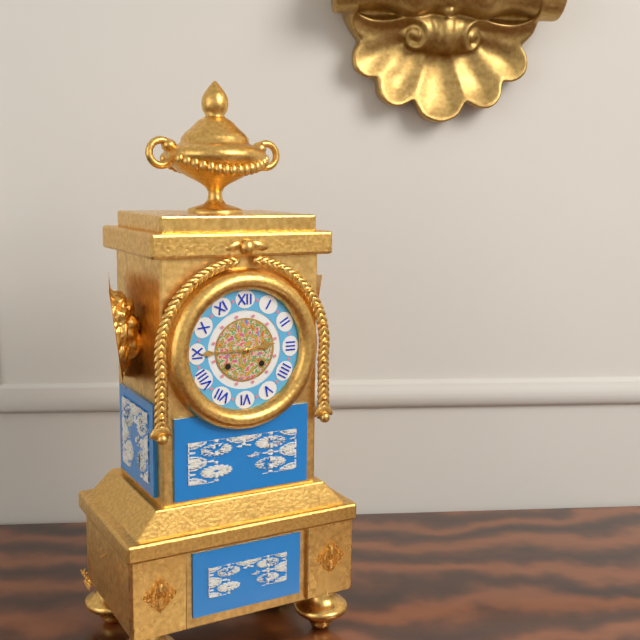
2h45
